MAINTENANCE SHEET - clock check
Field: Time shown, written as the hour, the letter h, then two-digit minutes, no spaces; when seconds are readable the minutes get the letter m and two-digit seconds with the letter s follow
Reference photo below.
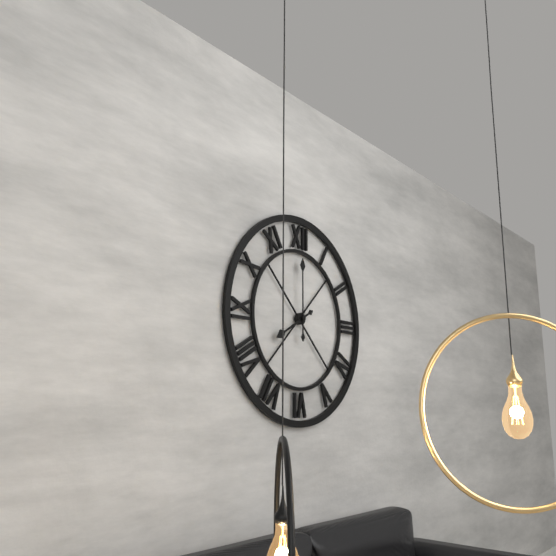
8h00
